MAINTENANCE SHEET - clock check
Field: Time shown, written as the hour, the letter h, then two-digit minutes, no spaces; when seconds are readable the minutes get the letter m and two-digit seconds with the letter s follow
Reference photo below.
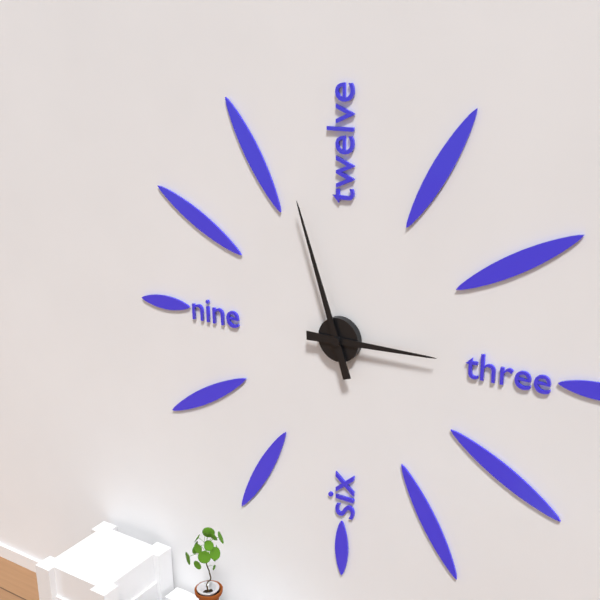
2h57
